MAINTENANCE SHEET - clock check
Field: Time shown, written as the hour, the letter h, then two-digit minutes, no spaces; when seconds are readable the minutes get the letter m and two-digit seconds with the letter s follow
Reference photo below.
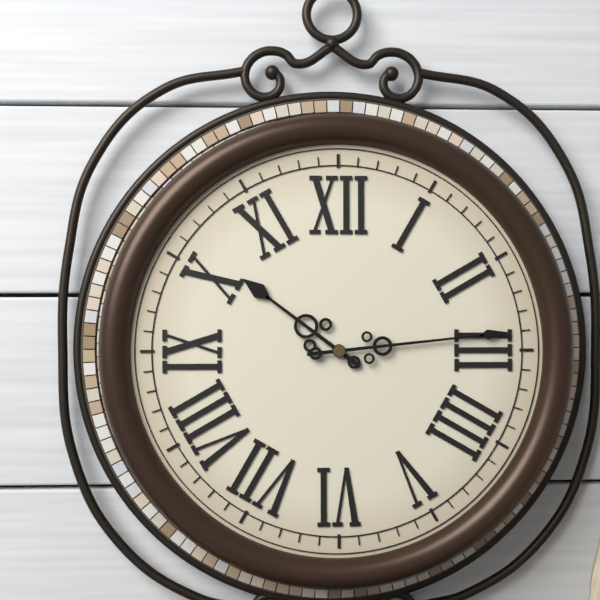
10h14
